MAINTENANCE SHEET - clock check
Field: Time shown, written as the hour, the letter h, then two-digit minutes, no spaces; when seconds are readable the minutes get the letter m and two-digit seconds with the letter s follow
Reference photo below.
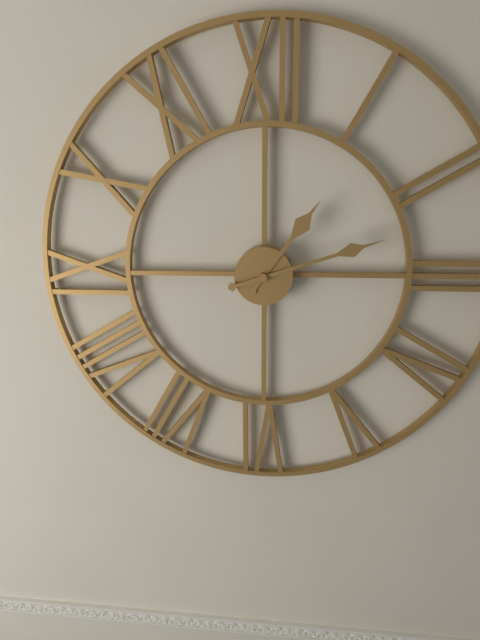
1h12
